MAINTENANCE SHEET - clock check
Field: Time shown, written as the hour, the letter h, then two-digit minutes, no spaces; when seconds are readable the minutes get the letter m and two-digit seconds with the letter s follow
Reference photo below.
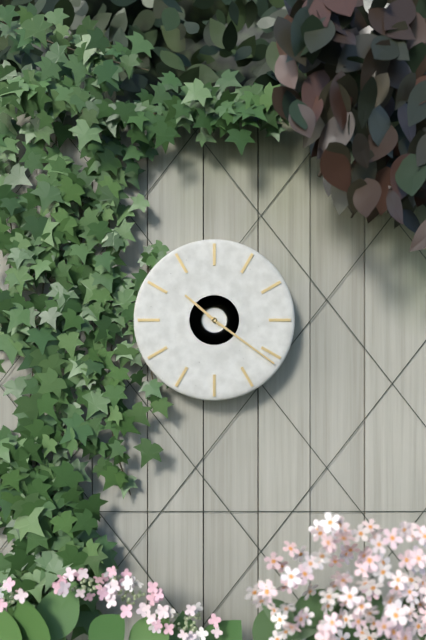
10h21
